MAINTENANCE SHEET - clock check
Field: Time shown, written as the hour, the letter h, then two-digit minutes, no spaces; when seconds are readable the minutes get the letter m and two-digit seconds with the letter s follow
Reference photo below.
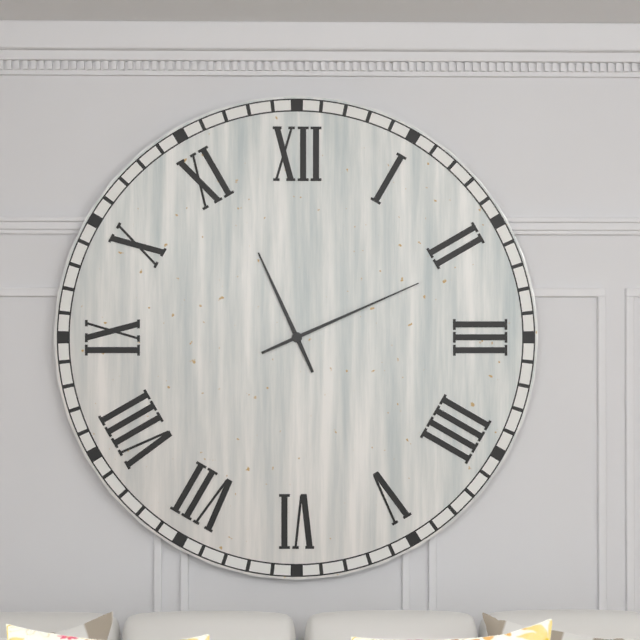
11h11
